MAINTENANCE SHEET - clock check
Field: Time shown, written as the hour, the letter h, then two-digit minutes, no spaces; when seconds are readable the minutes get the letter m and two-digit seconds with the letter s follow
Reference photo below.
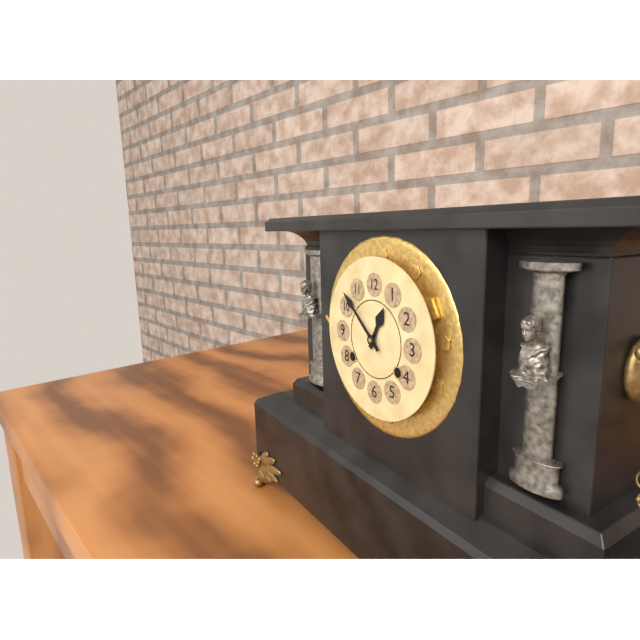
12h52
